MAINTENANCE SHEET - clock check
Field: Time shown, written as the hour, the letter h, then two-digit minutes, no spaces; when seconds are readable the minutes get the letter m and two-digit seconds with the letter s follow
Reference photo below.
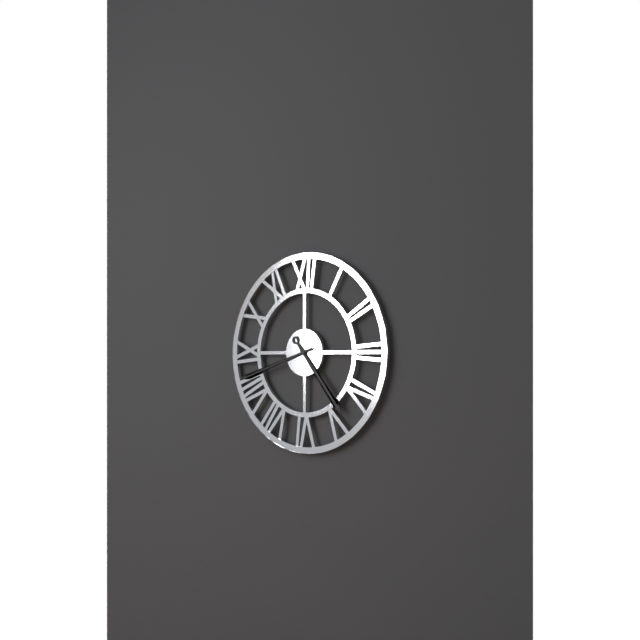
4h42
